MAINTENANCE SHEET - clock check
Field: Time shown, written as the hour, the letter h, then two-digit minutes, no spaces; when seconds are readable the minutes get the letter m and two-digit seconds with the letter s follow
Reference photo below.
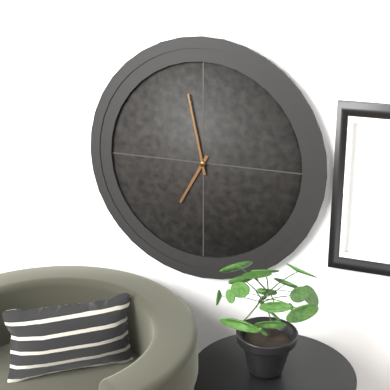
6h58
